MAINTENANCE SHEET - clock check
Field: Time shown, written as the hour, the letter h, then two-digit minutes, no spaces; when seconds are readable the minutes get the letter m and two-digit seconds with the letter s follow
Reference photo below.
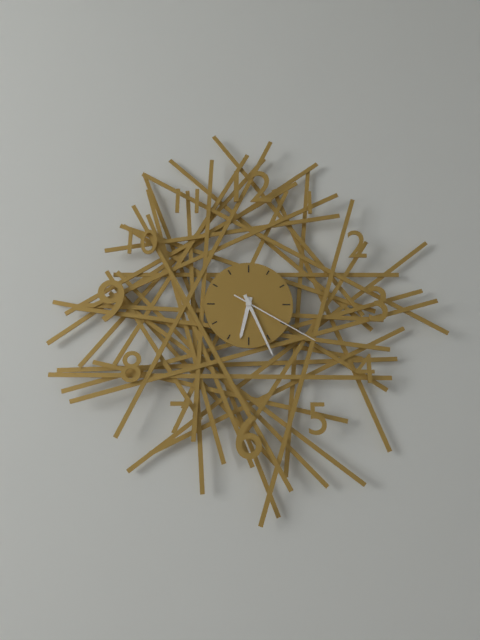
6h26m20s
